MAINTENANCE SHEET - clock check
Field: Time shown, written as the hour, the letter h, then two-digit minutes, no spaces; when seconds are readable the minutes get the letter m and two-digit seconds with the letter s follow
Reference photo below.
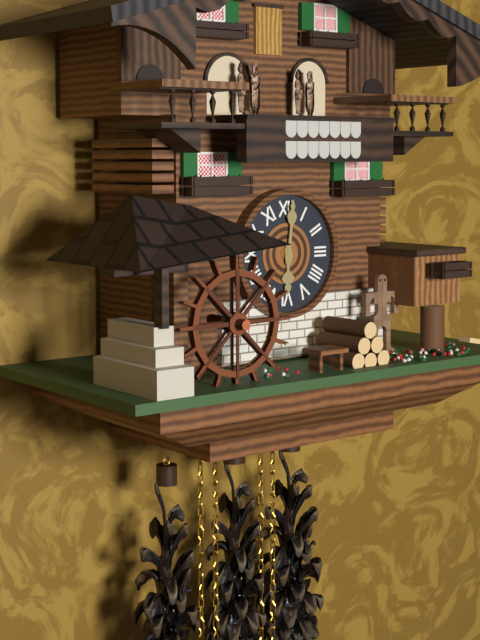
6h01
